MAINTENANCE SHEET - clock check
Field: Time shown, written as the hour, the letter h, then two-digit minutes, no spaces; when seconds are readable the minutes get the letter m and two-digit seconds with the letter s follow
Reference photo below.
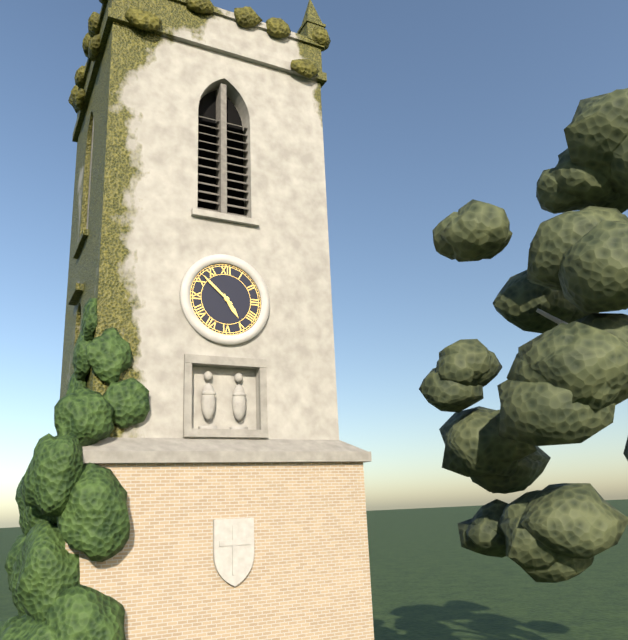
4h52
